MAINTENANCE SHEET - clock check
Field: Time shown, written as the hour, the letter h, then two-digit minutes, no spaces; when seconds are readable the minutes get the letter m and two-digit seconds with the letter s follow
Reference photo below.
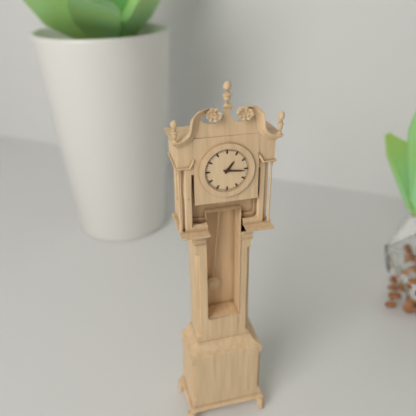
1h16
